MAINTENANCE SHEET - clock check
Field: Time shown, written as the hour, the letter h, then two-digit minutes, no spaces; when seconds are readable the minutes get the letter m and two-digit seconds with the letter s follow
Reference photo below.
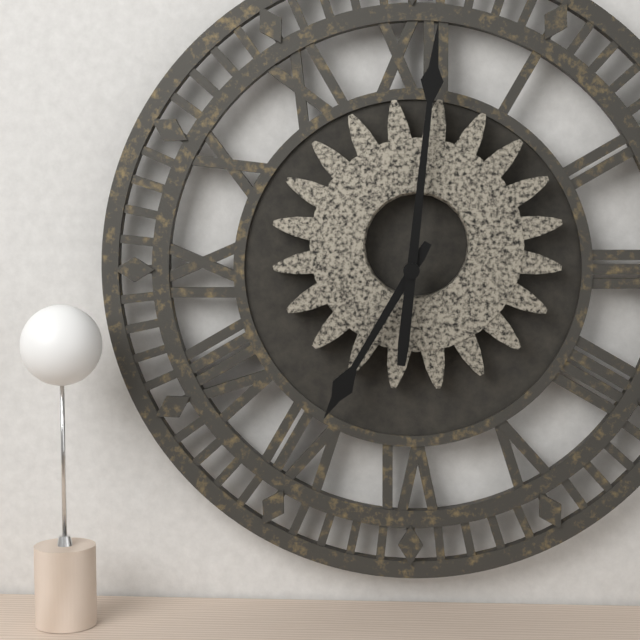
7h01
